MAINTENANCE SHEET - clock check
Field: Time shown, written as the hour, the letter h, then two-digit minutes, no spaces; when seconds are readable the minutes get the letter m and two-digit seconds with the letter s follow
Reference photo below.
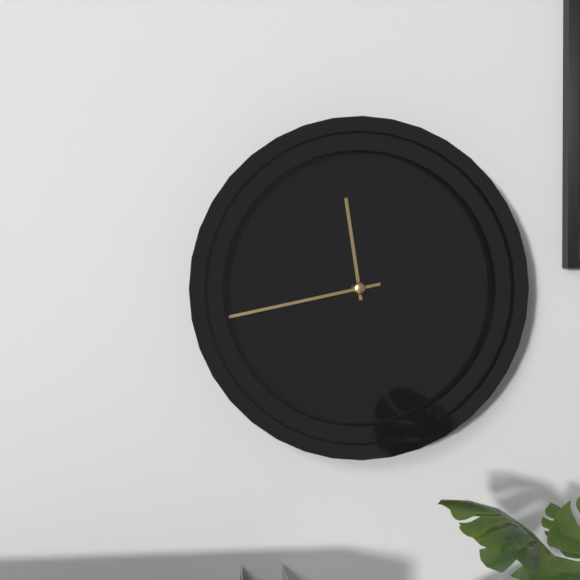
11h43
